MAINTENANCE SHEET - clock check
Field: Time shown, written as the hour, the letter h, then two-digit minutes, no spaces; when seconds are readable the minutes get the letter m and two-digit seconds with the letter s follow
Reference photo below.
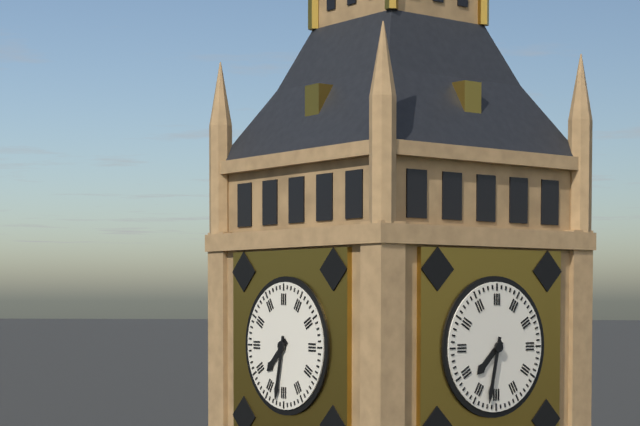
7h32
